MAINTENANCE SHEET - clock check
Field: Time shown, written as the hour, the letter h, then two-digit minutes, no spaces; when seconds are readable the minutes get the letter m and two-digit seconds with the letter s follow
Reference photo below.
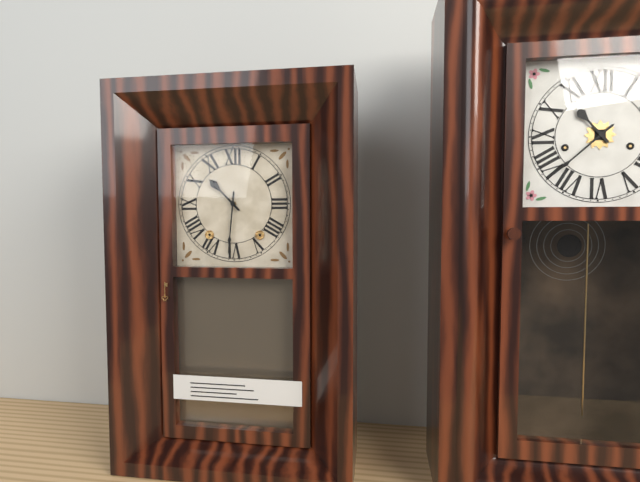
10h31
